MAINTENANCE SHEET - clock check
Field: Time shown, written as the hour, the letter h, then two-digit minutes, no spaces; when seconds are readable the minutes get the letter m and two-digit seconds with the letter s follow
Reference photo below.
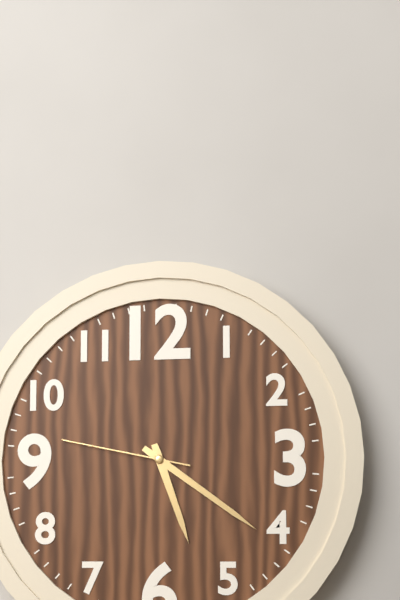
5h21m47s
